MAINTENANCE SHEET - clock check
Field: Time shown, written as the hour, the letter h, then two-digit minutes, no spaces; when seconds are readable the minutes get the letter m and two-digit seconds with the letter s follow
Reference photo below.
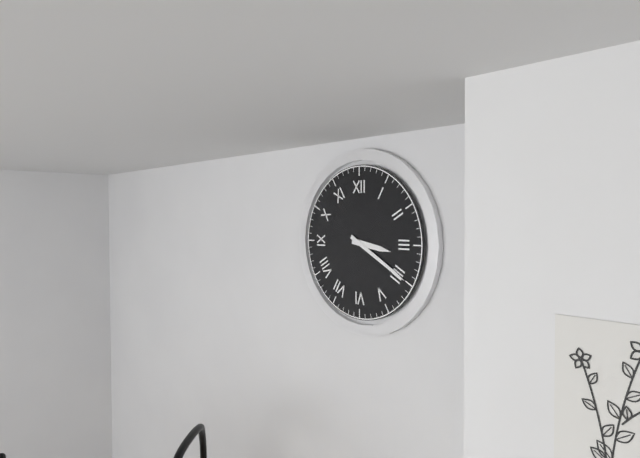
3h20
